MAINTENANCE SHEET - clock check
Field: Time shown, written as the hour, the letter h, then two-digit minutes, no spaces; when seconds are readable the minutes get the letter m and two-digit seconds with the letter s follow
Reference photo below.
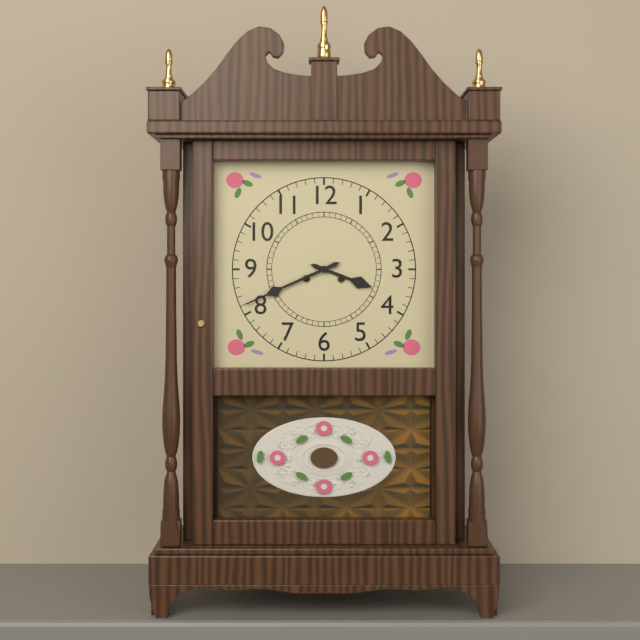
3h41
